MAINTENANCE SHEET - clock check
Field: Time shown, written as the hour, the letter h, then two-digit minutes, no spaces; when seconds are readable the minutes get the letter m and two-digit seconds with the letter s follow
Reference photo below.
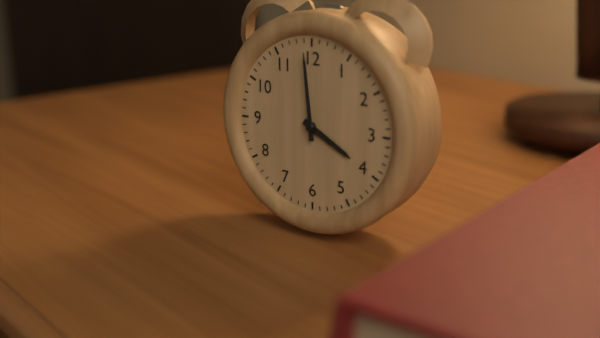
3h59
